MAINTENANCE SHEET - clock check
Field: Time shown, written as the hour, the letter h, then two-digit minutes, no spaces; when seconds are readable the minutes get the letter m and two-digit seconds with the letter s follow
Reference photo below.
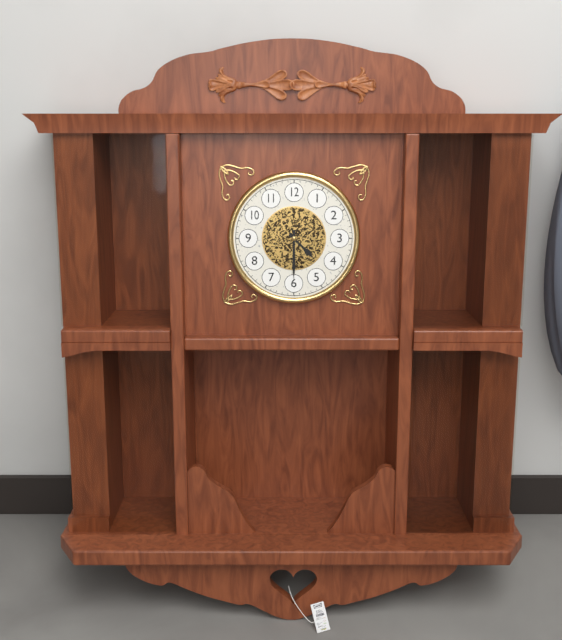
4h30
